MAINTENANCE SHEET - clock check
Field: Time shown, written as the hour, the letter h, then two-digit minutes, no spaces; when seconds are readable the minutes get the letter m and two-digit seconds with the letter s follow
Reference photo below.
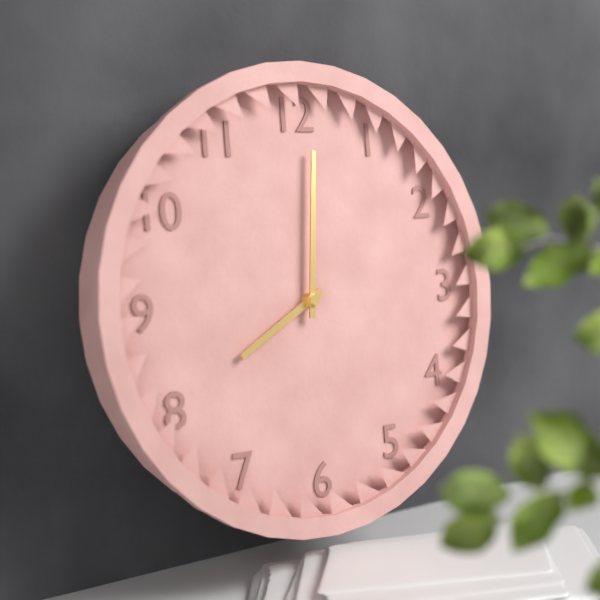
8h01
